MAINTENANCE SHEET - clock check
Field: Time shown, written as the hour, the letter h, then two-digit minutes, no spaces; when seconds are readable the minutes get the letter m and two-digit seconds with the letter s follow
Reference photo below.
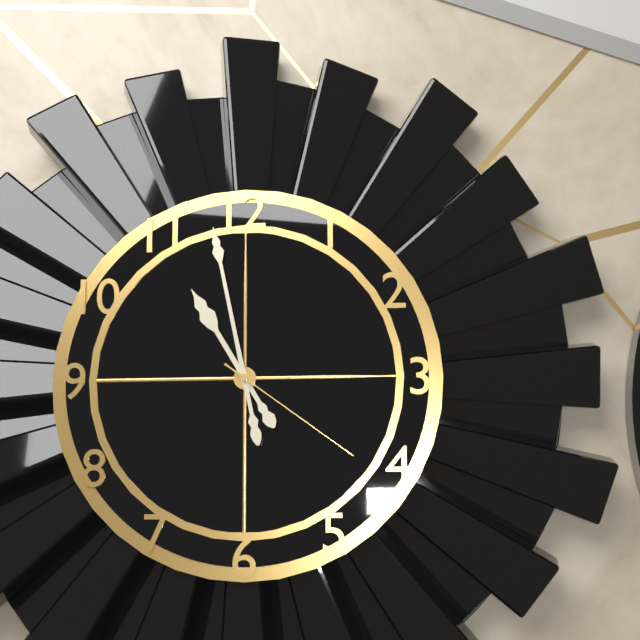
10h58m21s
